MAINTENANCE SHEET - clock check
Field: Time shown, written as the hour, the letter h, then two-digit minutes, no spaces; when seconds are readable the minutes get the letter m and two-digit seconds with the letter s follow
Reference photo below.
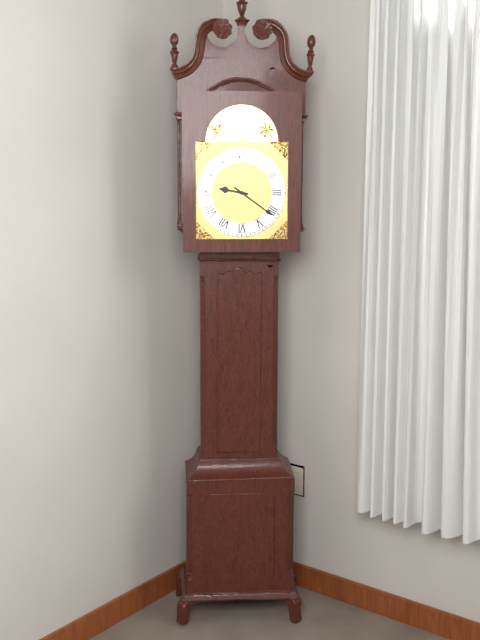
9h21
